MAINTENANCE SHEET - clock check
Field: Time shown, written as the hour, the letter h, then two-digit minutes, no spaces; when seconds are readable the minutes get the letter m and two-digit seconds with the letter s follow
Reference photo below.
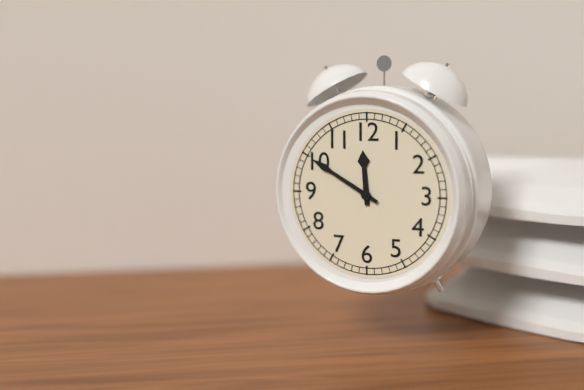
11h50
